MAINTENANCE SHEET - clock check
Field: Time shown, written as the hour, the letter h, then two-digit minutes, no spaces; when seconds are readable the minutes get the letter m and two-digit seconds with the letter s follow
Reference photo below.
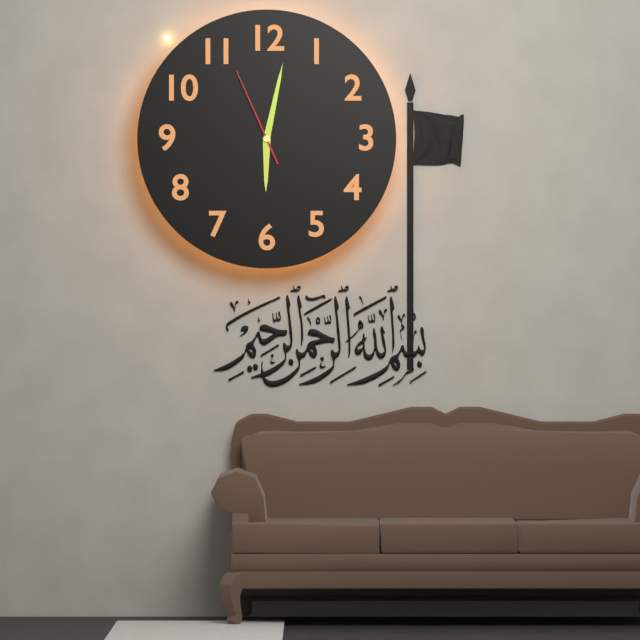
6h02m56s
